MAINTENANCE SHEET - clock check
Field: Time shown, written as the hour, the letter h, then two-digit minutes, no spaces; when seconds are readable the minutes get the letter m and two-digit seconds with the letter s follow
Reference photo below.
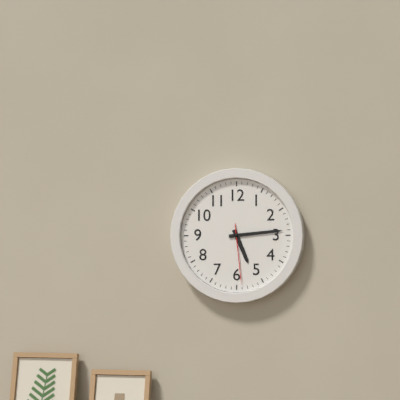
5h14m29s
